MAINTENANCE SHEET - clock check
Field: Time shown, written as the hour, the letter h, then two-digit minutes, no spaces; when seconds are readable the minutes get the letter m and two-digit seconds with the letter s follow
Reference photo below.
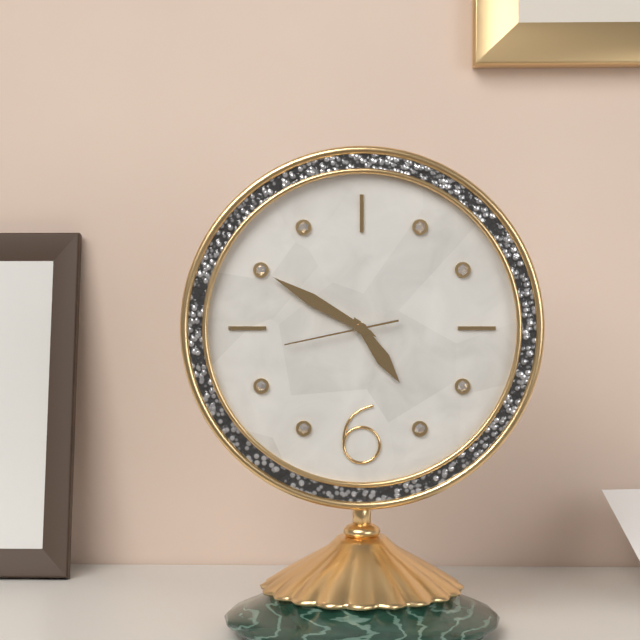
4h50m43s
